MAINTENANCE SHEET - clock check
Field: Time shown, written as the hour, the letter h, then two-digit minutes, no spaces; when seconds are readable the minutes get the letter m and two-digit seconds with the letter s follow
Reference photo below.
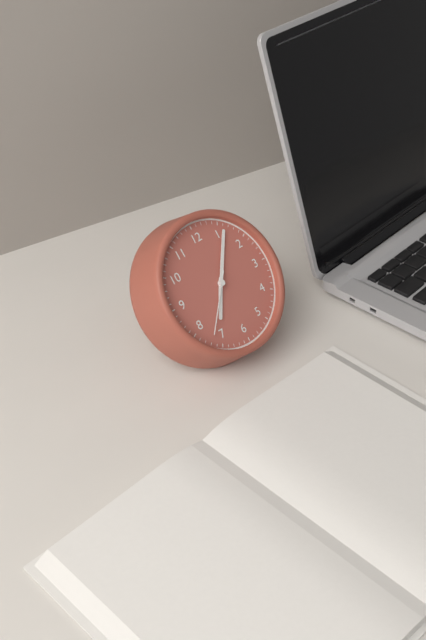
7h06m37s
